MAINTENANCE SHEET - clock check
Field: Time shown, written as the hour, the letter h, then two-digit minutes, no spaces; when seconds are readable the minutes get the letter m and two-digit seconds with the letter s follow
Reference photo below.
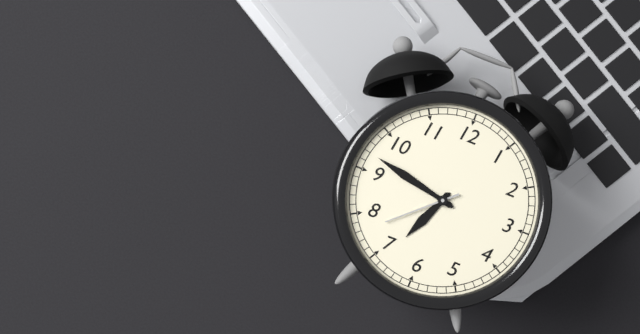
6h47m38s
